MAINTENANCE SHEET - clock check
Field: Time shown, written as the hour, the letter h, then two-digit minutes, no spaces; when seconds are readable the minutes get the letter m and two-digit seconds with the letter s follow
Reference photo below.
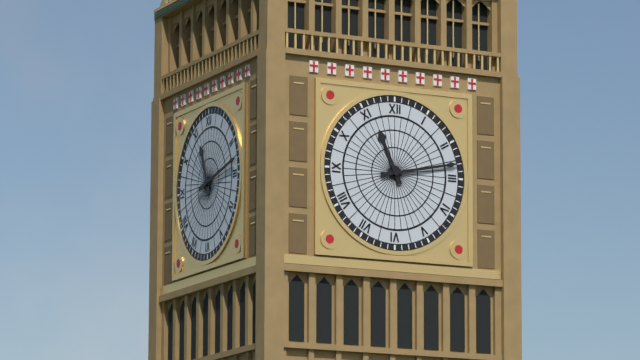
11h13
